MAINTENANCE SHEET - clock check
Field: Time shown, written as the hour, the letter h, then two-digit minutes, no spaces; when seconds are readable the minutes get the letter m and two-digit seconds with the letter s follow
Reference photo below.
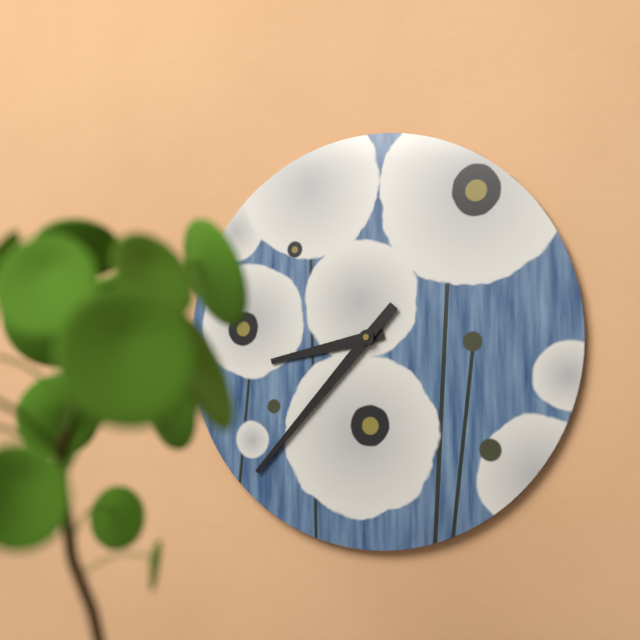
8h37
